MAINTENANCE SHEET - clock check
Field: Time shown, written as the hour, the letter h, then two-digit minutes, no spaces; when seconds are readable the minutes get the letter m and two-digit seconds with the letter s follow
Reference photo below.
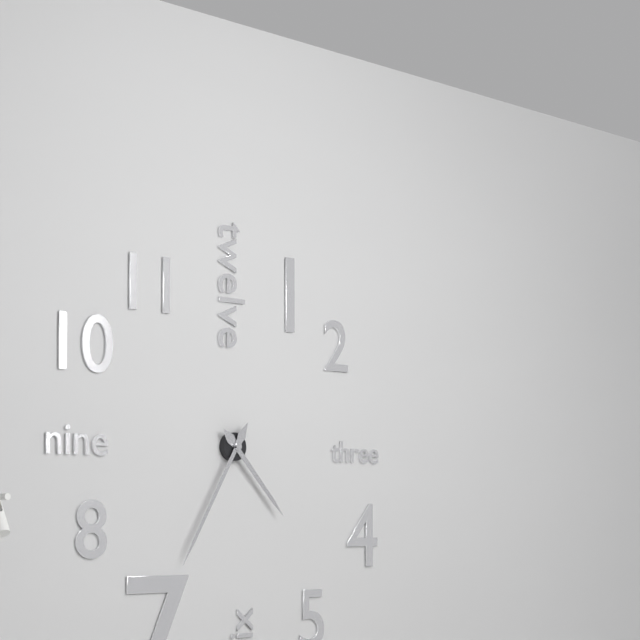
4h35
